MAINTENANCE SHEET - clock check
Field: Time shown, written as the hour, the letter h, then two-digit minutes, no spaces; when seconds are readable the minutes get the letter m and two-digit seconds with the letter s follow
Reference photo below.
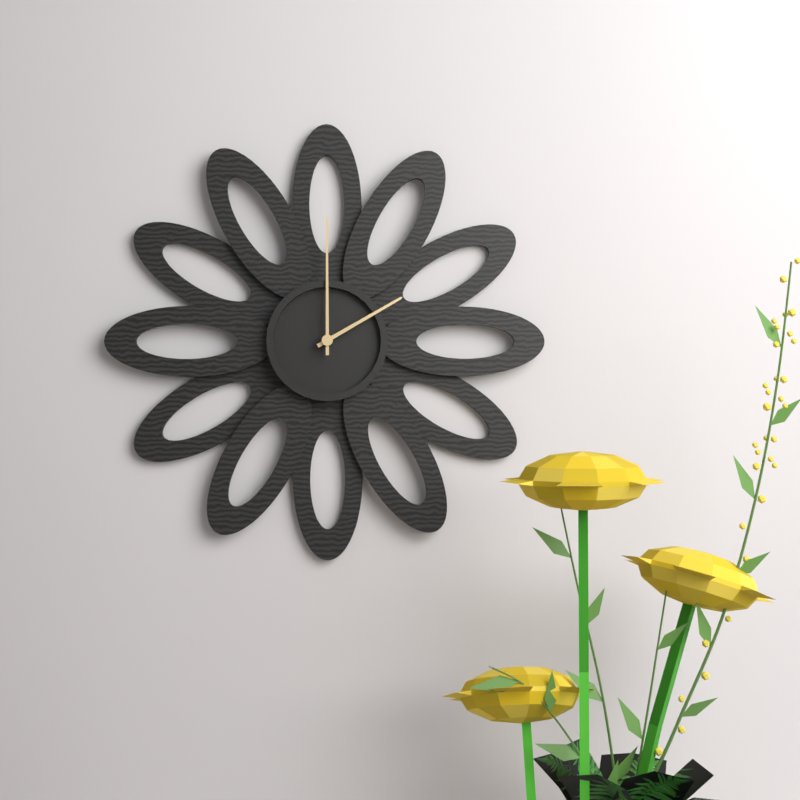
2h00
